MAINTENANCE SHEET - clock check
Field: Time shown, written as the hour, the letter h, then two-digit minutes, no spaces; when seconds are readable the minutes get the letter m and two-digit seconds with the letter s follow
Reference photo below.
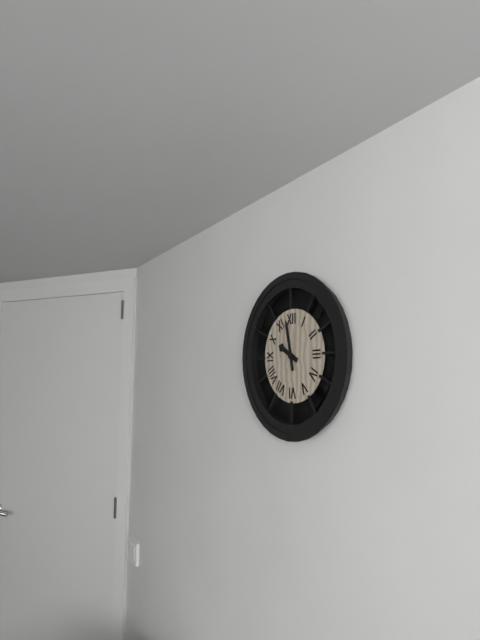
9h58
